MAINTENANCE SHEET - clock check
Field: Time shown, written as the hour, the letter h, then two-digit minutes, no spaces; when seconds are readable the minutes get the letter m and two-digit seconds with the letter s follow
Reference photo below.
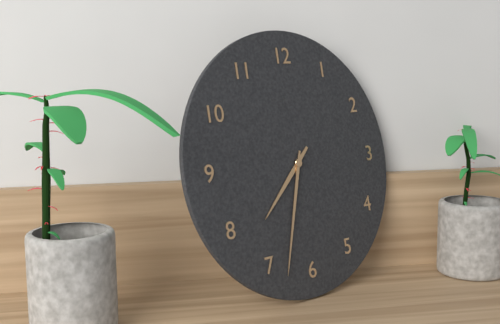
7h33
